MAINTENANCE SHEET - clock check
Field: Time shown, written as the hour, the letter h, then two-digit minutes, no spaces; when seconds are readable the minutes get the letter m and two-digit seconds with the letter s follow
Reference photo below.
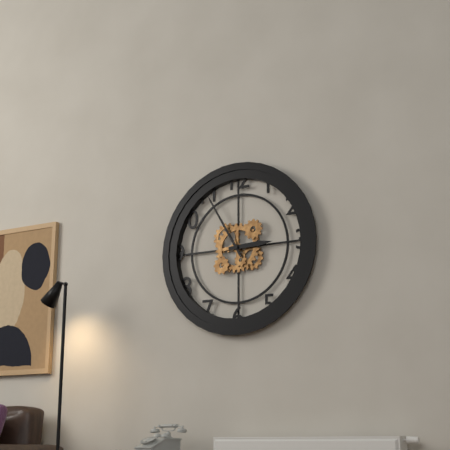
2h55
